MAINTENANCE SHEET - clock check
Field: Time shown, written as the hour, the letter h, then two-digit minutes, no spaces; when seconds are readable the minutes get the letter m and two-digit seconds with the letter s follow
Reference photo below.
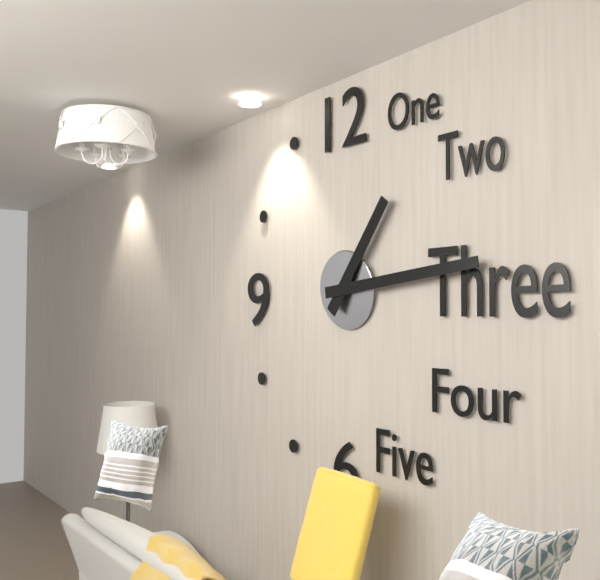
1h14
